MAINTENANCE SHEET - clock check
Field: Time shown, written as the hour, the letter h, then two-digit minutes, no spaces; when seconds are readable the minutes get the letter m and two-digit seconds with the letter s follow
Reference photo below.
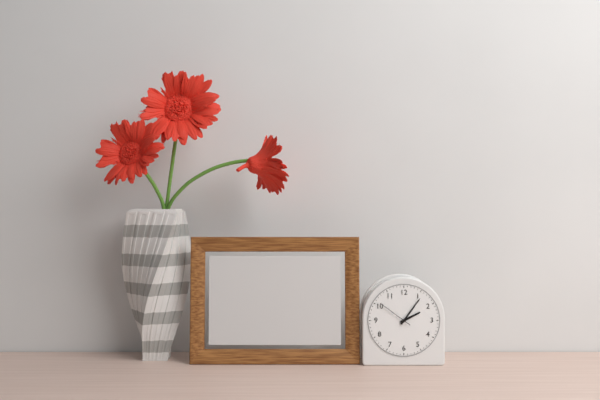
2h06
